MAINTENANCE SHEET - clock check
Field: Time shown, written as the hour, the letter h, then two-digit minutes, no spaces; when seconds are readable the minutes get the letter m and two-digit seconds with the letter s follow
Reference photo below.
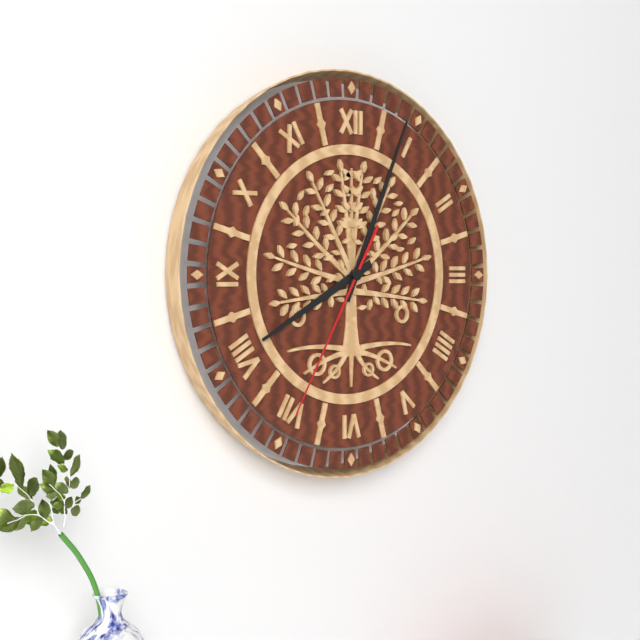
8h04m35s
